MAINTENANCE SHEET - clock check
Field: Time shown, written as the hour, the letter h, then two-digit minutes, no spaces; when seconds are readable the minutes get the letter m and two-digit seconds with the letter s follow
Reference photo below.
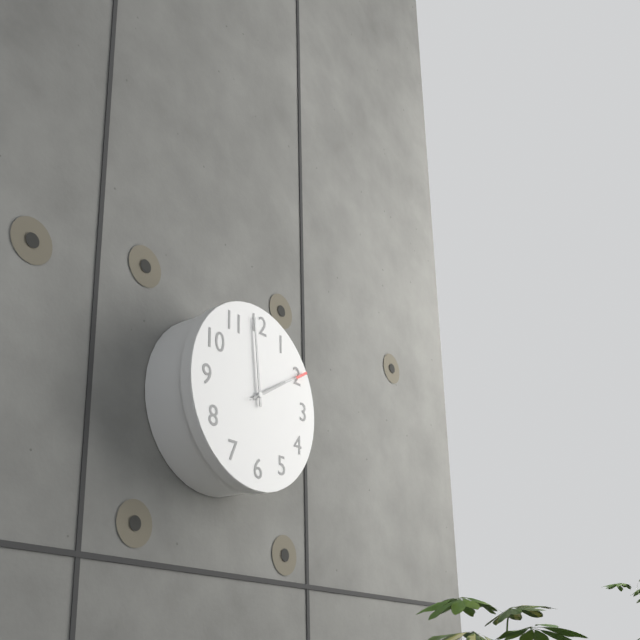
1h59m10s
